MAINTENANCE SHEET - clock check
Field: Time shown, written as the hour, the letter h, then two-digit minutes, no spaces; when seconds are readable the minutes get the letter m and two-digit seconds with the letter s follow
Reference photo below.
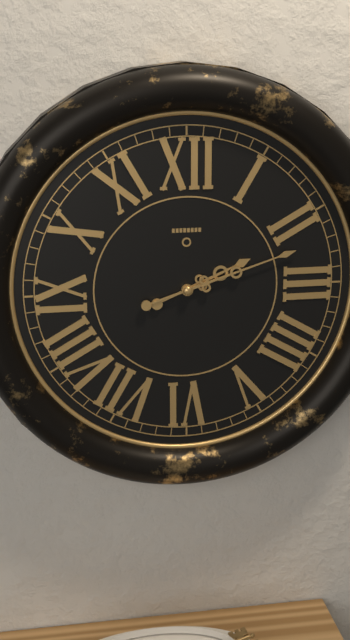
2h12
